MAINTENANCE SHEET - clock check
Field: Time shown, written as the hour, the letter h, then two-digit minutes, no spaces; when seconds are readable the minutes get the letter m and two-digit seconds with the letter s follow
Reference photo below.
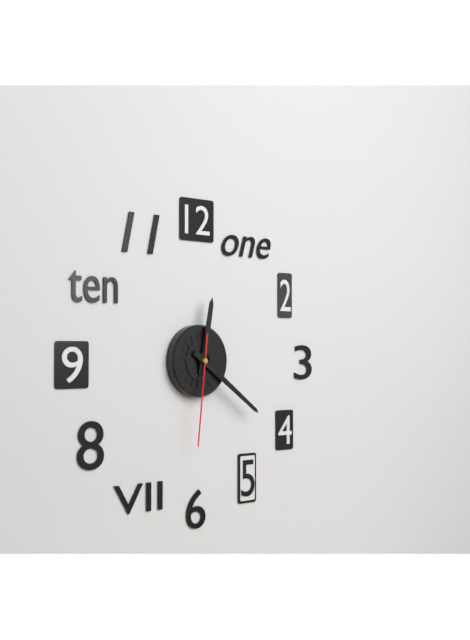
12h21m31s
